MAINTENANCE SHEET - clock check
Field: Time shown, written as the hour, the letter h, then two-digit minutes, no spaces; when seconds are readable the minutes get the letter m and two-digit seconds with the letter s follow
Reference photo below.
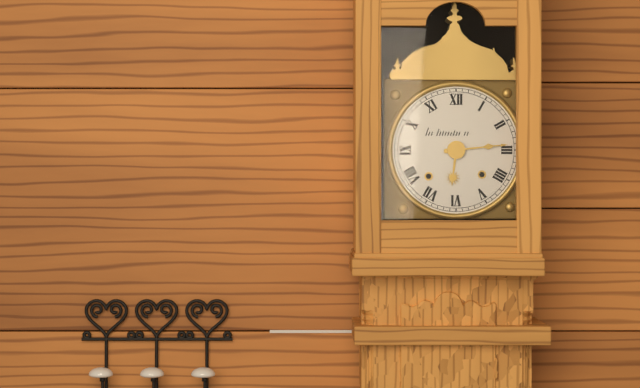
6h14
